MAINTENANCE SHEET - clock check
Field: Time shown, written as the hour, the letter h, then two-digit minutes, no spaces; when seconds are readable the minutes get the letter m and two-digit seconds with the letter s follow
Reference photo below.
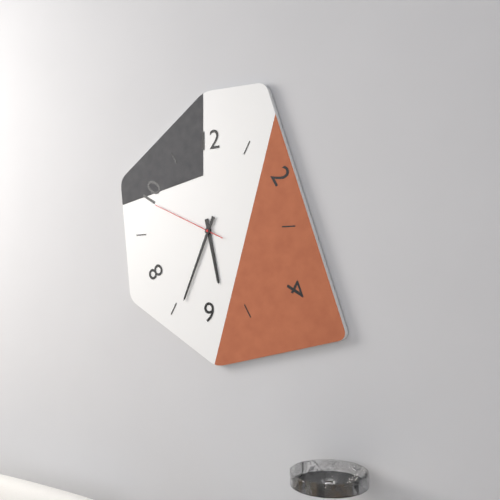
5h34m49s
